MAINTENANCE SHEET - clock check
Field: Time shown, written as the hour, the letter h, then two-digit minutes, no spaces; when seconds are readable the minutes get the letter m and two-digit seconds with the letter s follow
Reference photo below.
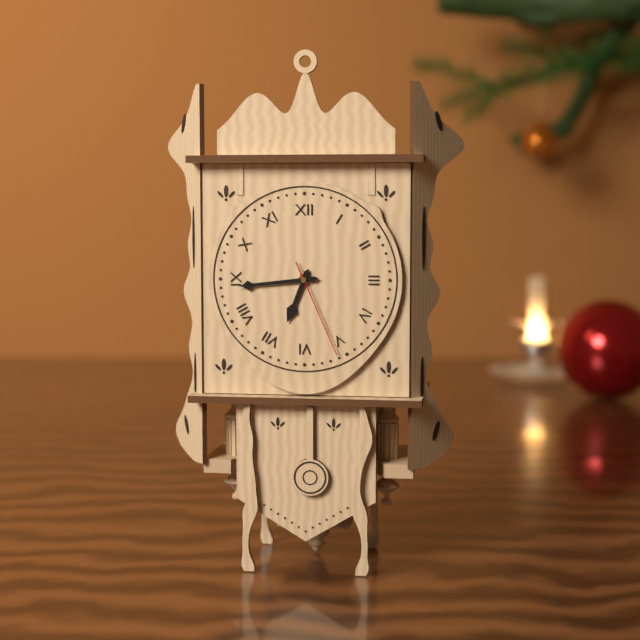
6h44m26s
